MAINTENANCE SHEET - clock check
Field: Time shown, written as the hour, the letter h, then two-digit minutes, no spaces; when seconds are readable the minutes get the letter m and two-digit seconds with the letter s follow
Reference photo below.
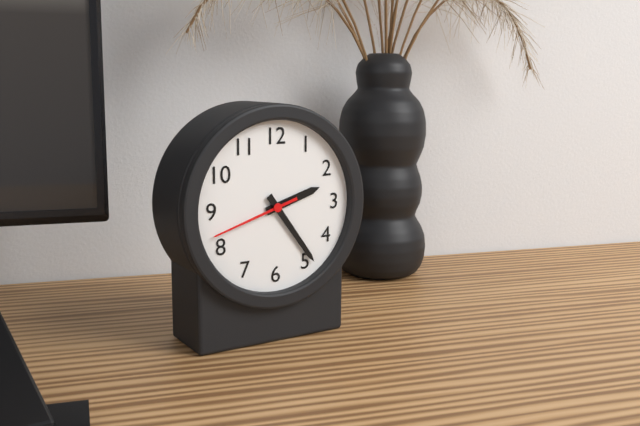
2h24m42s
